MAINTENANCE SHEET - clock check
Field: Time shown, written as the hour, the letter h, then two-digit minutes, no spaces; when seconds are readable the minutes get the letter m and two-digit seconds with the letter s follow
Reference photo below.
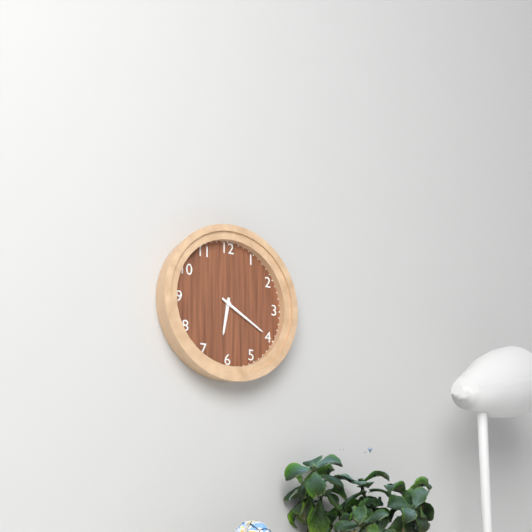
6h20
